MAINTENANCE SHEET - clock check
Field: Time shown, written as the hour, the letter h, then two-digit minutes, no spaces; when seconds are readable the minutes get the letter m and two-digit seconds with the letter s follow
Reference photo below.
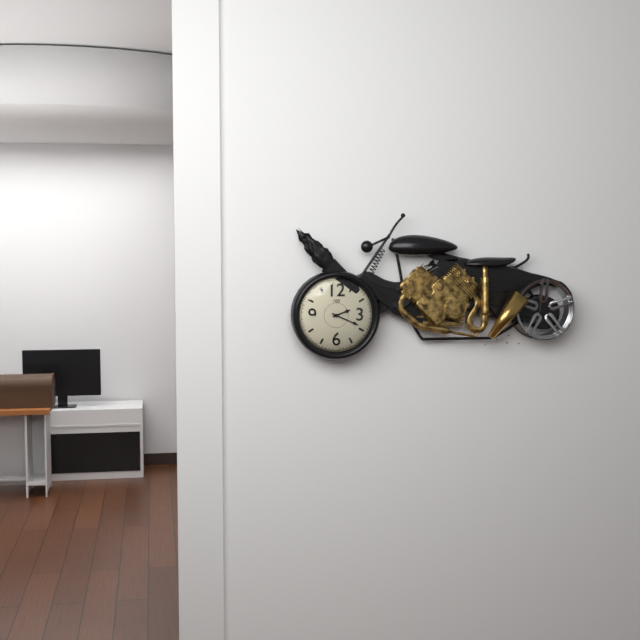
2h19
